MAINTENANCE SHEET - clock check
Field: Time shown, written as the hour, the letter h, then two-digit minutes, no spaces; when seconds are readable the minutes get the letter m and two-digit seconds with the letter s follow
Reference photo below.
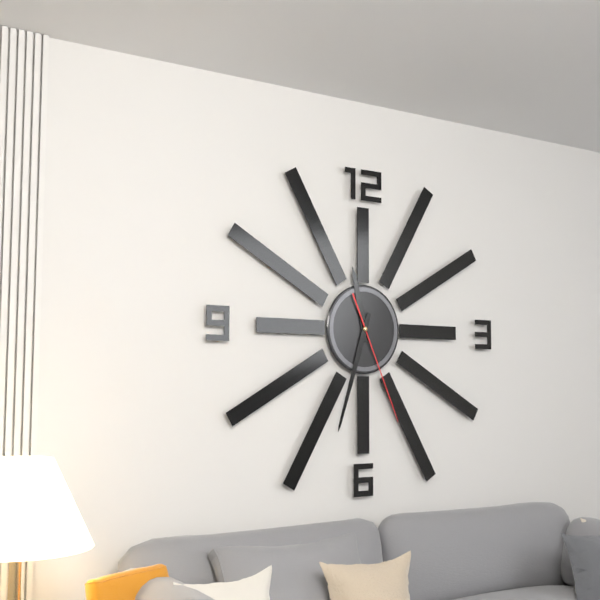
11h33m26s
